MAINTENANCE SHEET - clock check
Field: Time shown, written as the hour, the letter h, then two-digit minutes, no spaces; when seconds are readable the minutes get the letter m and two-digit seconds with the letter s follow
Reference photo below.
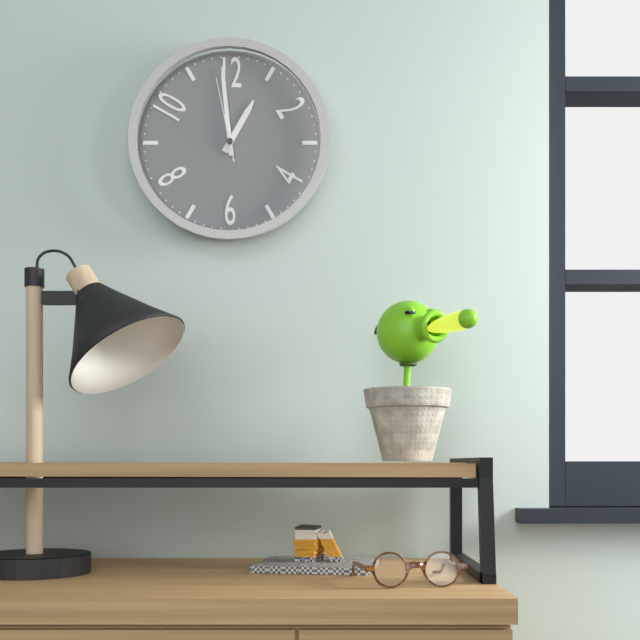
12h59m58s
